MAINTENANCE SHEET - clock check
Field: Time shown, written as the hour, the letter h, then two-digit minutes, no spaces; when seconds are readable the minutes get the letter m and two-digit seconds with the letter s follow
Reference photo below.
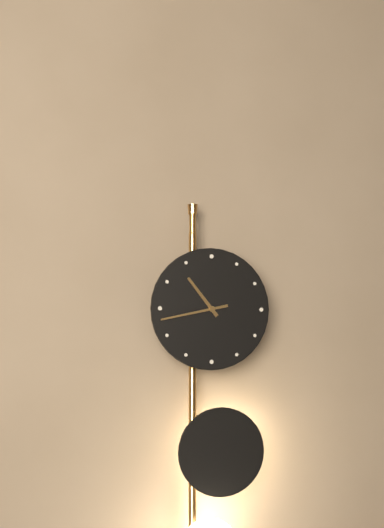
10h43
